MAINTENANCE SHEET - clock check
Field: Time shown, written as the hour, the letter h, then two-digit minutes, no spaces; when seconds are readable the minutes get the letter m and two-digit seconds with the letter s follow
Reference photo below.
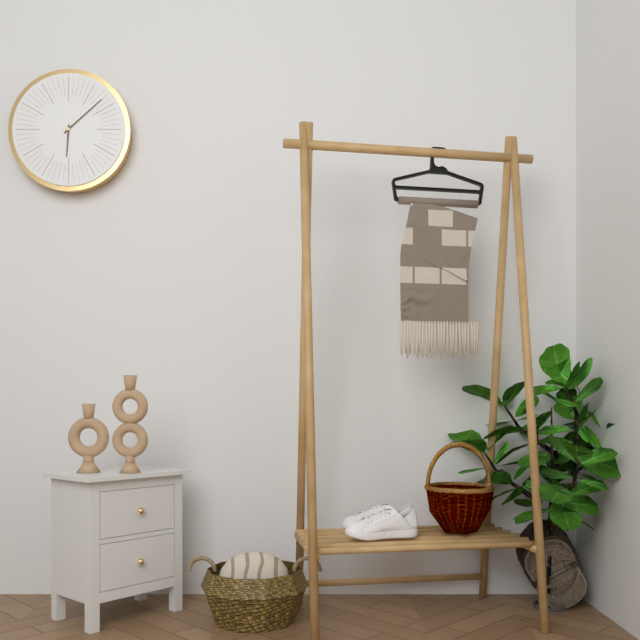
6h08
